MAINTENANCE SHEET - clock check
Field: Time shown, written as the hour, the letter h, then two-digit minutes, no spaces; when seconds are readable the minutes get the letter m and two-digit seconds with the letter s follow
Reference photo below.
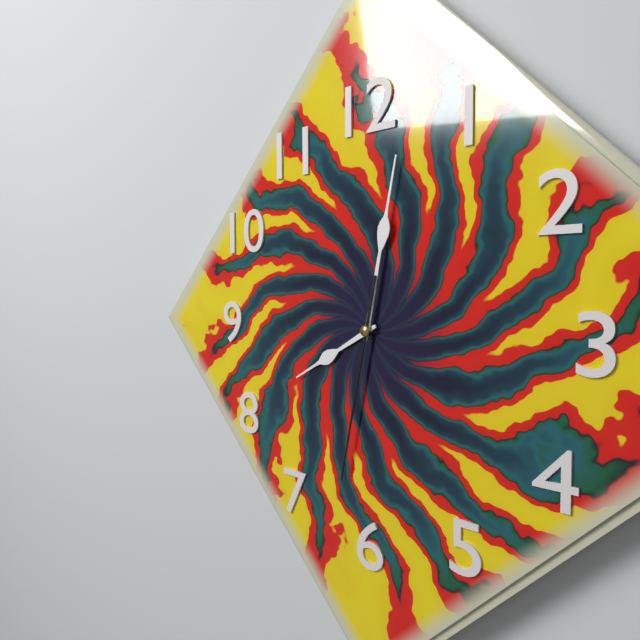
8h02m32s
